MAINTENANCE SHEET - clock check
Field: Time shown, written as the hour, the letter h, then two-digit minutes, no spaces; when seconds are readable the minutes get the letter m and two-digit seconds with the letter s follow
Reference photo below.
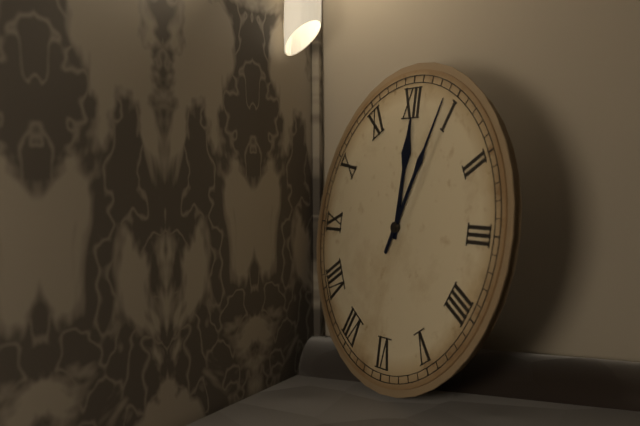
12h04
